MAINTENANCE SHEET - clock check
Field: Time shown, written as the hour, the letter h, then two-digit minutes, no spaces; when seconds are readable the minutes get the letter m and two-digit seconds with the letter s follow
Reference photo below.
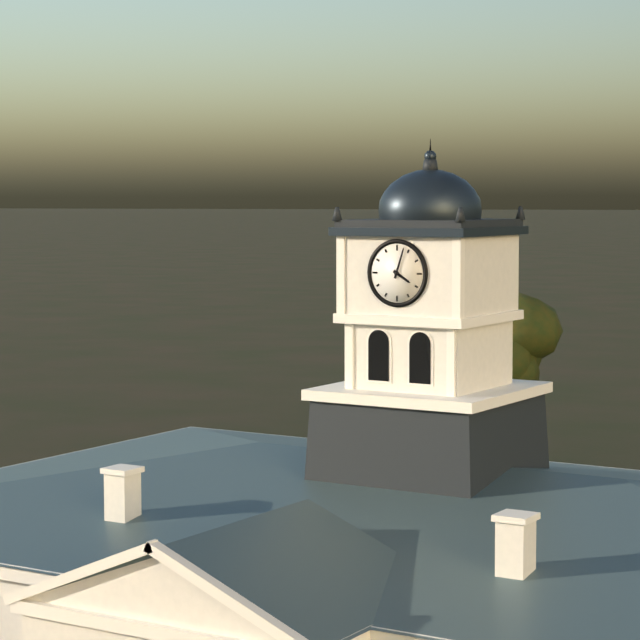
4h03
